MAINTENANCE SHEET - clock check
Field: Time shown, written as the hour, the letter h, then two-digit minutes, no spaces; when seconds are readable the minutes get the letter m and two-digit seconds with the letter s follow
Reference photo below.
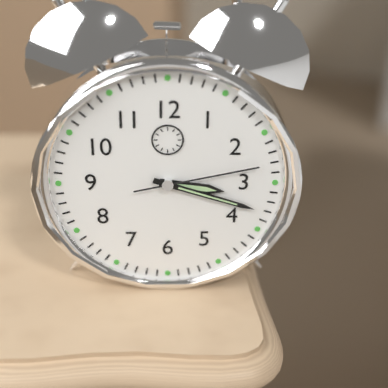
3h18m13s
